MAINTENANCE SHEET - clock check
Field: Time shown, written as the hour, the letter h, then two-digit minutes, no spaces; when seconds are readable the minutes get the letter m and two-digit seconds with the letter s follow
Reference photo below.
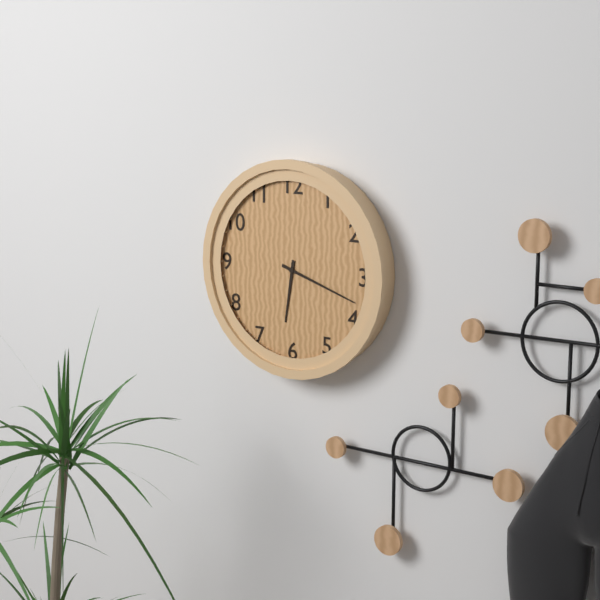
6h18
